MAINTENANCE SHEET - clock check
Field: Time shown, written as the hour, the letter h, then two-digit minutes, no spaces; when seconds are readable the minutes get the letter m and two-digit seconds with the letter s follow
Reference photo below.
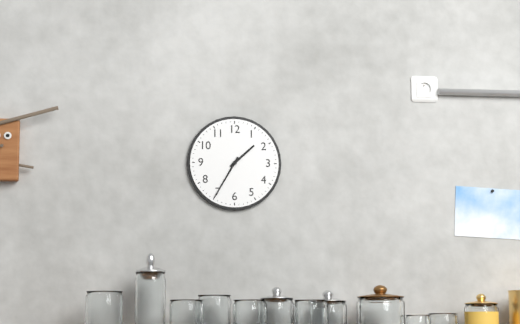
1h35
